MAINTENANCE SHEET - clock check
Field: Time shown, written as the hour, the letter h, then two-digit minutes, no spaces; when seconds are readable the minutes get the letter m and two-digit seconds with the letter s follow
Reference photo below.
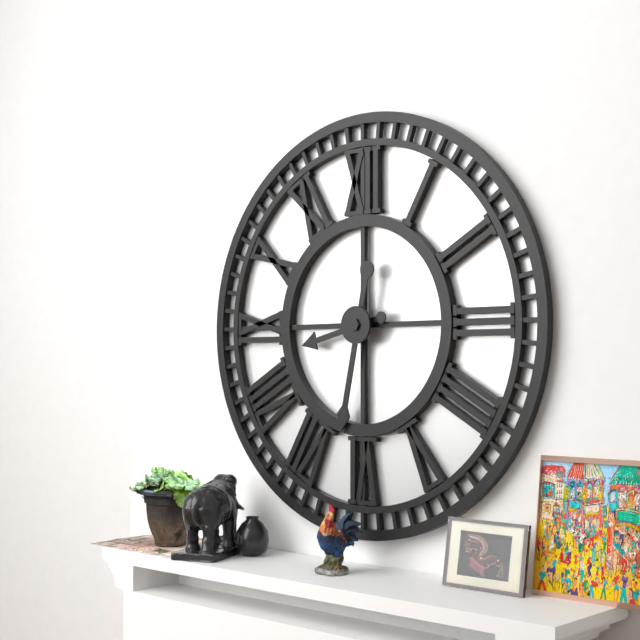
8h32
